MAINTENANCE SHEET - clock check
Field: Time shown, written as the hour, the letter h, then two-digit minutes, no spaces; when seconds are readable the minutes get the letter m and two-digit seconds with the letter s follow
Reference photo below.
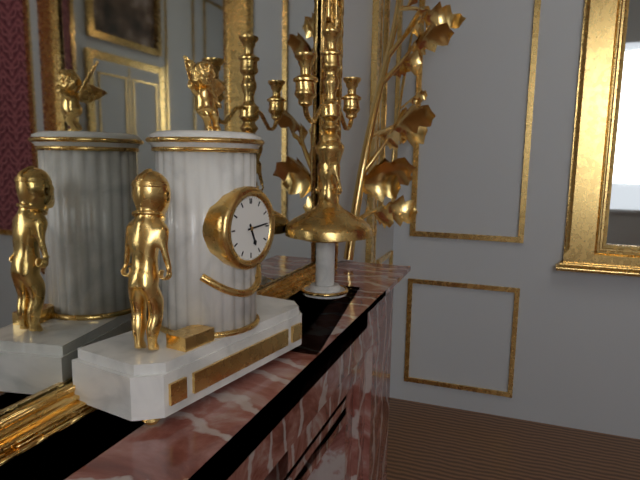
5h14
